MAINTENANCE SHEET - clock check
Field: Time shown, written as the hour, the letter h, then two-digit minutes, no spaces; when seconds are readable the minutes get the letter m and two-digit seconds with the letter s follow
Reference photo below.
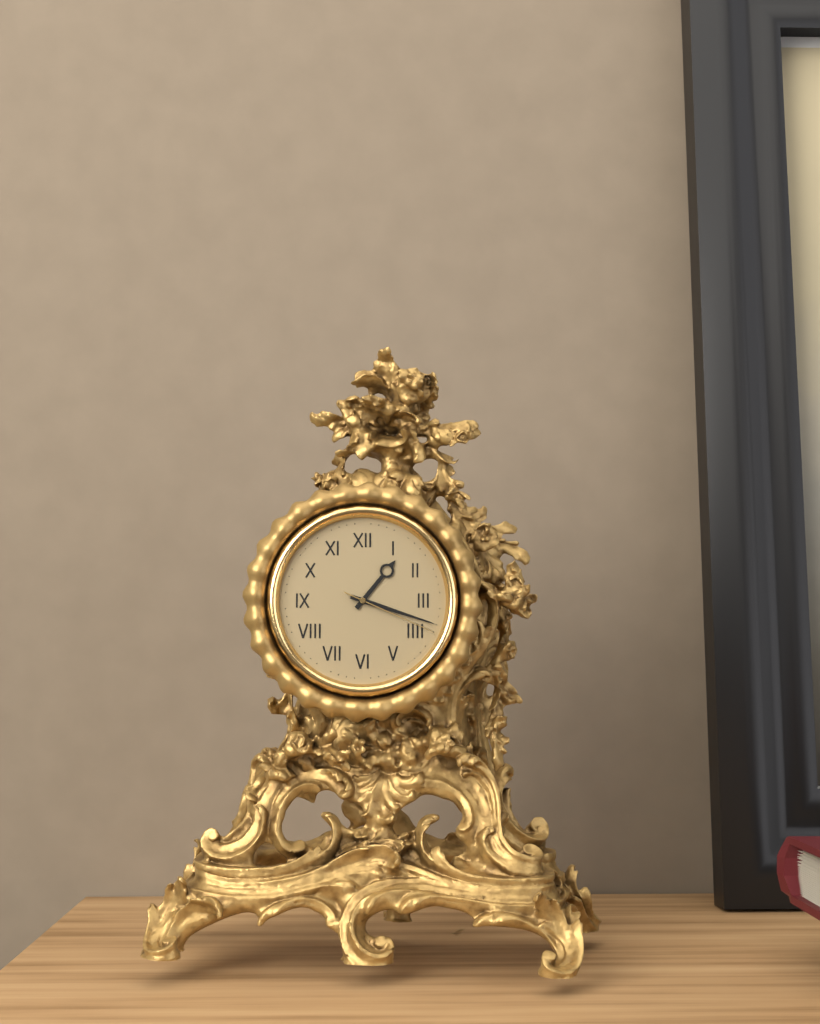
1h18m19s
